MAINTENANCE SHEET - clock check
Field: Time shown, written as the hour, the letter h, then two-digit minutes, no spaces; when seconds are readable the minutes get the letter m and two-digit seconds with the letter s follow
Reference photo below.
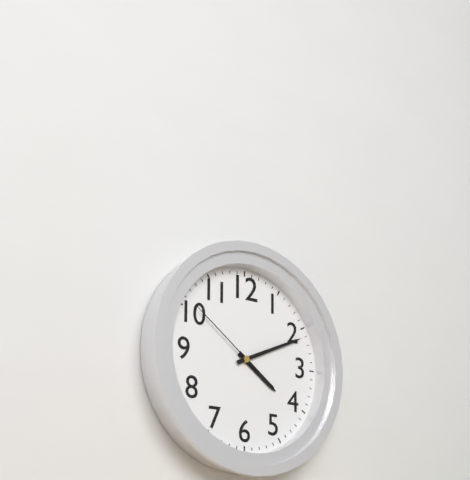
4h11m51s
